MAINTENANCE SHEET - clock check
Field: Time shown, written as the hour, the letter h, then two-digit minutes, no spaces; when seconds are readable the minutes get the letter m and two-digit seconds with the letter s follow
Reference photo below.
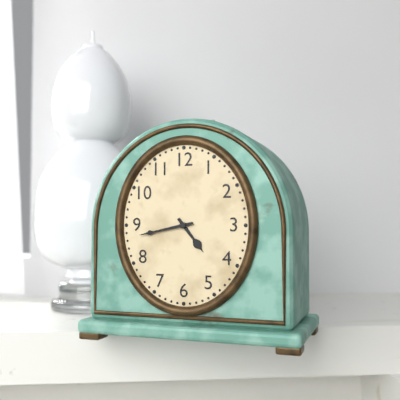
4h43
